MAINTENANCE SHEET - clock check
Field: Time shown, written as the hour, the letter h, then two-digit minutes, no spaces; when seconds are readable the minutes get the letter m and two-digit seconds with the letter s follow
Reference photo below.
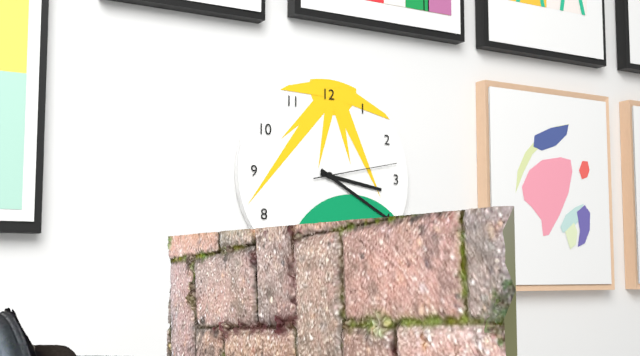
3h20m13s
